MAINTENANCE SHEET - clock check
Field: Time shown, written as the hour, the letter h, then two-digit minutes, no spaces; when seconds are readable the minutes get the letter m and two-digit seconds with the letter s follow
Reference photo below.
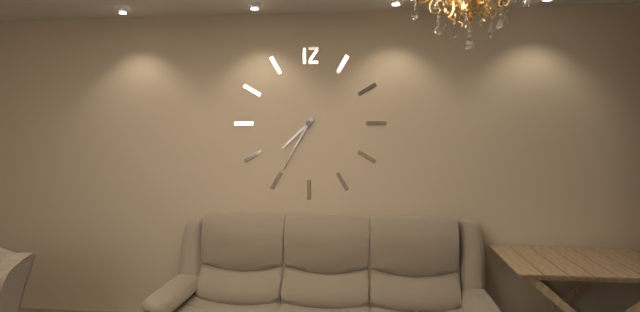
7h35
